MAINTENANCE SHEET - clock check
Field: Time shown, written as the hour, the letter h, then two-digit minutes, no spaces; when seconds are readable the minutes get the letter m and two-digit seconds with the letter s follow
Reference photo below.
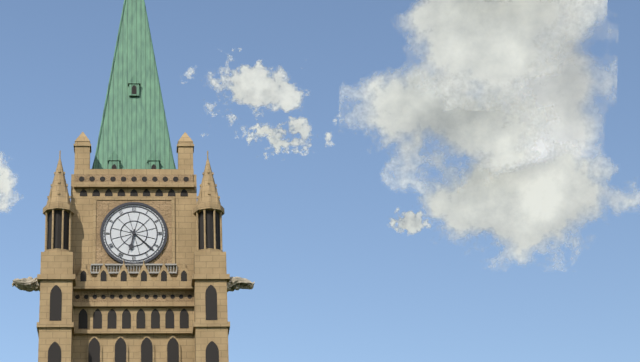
6h22
